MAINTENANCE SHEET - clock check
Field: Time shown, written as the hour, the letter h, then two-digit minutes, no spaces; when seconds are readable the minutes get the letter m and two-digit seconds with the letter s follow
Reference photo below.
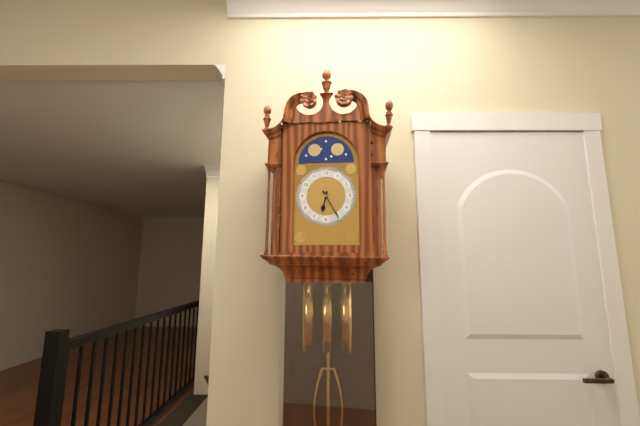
6h25
